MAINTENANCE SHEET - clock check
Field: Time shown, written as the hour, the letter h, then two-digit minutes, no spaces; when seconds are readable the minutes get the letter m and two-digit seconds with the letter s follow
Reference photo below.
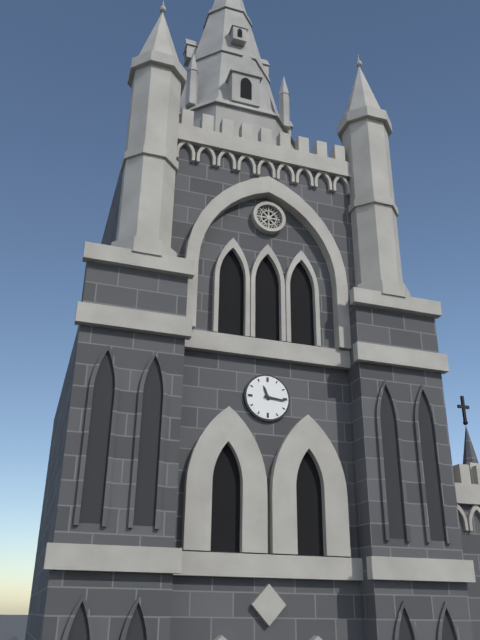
11h16
